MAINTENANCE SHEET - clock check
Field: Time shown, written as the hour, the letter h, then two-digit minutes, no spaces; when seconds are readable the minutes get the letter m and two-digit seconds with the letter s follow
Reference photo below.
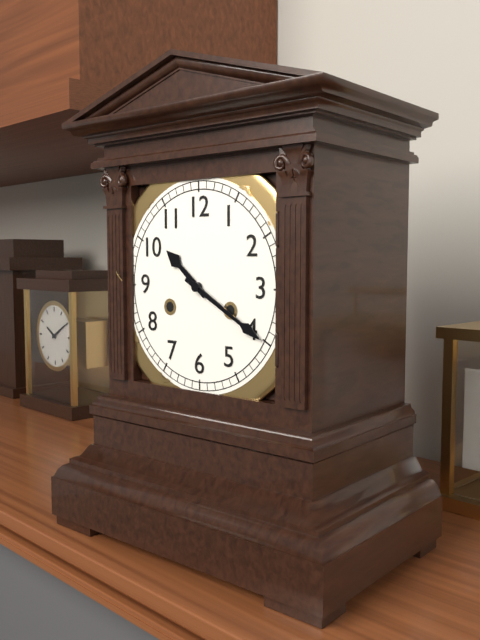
10h20
